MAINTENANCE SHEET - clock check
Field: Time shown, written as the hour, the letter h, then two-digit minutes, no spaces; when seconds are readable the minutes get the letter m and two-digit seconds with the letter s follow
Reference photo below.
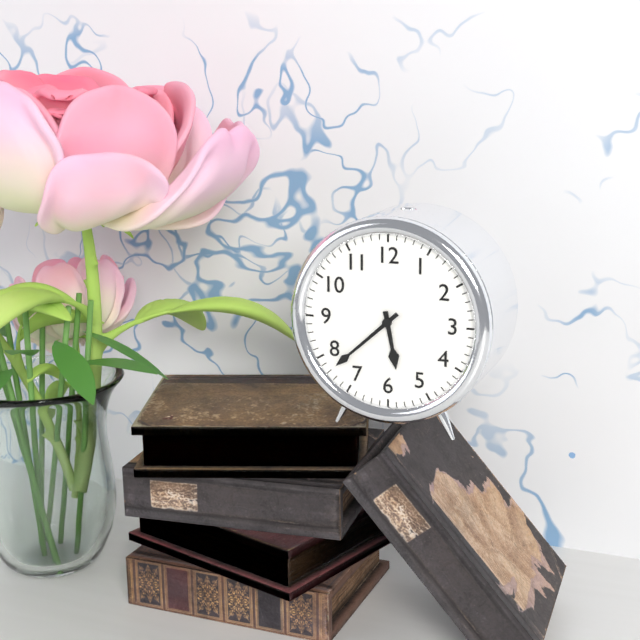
5h38
